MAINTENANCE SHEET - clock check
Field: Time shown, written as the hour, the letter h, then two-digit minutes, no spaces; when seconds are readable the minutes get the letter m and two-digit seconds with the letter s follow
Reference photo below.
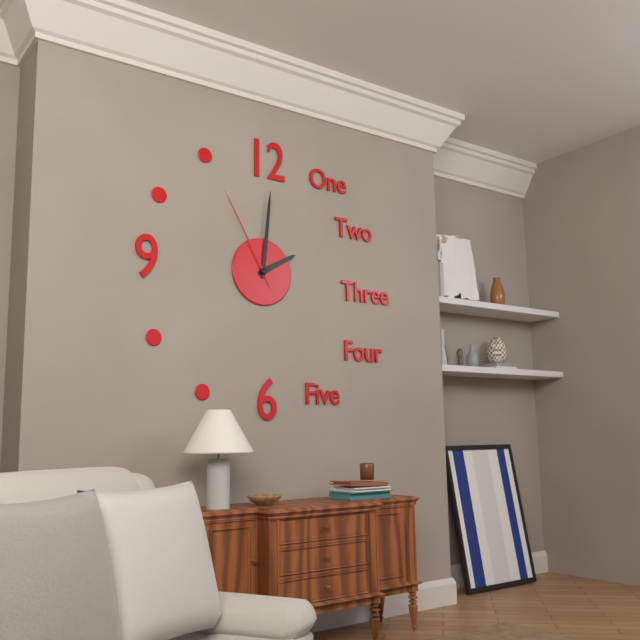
2h01m55s
